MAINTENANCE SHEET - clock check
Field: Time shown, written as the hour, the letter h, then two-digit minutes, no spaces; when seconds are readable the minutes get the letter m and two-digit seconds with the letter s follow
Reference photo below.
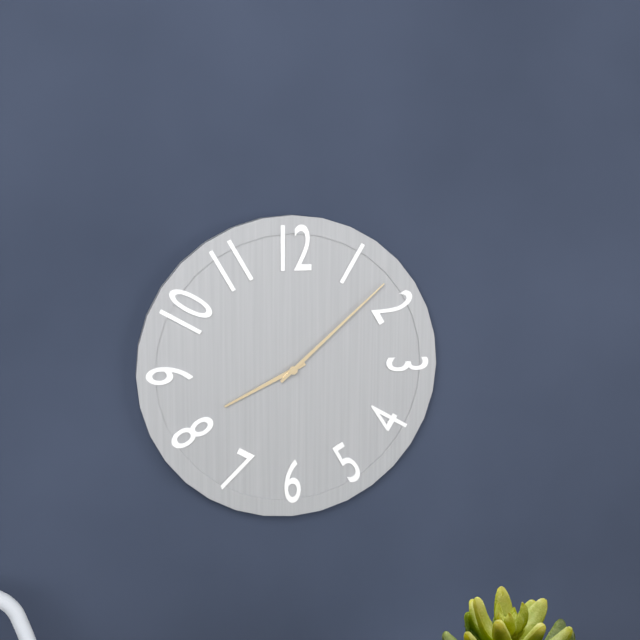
8h08
